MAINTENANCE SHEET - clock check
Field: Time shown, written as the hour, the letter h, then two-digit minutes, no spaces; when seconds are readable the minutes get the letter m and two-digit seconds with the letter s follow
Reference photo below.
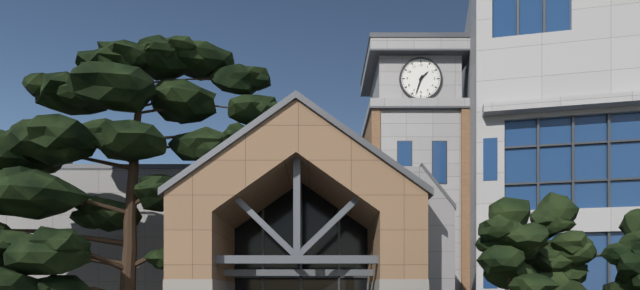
1h33
